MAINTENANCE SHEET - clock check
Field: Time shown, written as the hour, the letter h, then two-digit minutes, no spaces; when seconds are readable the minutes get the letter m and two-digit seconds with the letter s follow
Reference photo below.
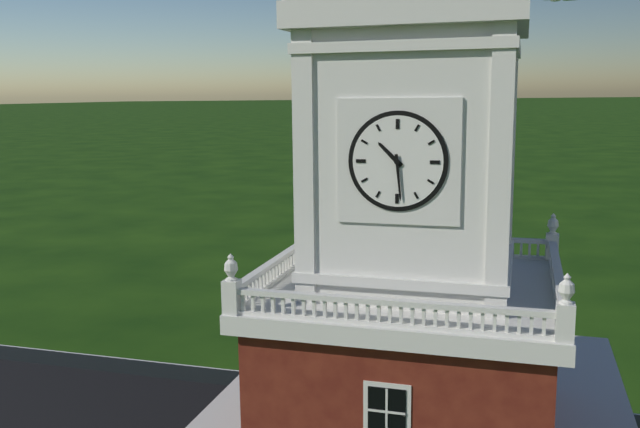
10h29
